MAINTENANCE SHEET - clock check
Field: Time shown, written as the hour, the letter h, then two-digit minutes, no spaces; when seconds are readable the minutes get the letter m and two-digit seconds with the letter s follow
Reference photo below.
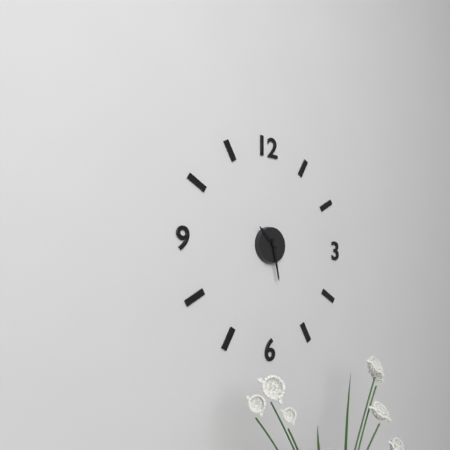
10h28
